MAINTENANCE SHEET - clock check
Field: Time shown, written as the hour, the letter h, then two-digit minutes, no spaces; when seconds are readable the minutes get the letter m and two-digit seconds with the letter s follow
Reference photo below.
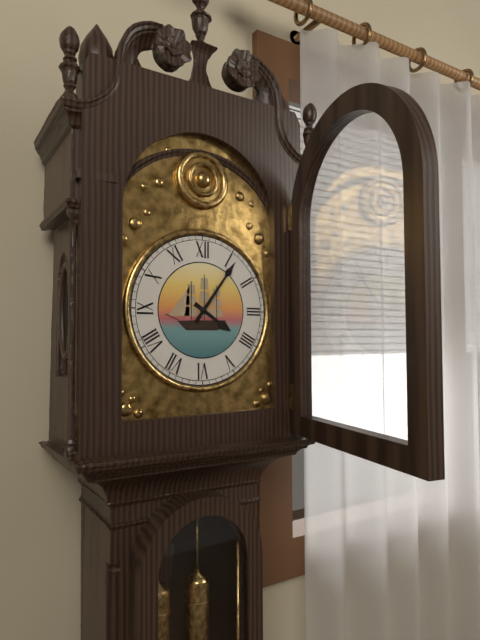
4h06
